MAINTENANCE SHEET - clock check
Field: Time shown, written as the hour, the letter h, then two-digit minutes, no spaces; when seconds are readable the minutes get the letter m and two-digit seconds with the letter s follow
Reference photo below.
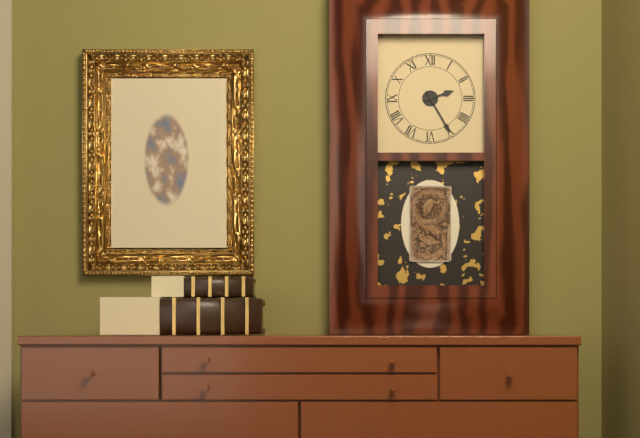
2h25
